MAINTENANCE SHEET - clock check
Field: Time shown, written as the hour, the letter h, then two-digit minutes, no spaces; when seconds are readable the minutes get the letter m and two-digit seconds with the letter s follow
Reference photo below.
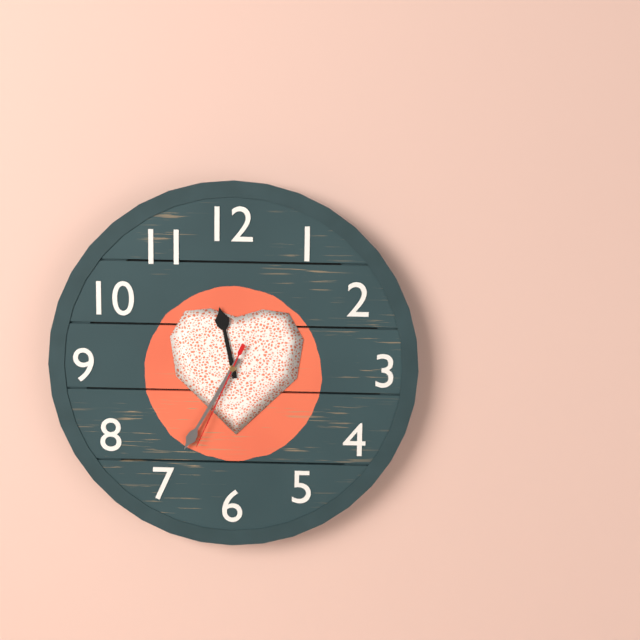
11h35m34s
